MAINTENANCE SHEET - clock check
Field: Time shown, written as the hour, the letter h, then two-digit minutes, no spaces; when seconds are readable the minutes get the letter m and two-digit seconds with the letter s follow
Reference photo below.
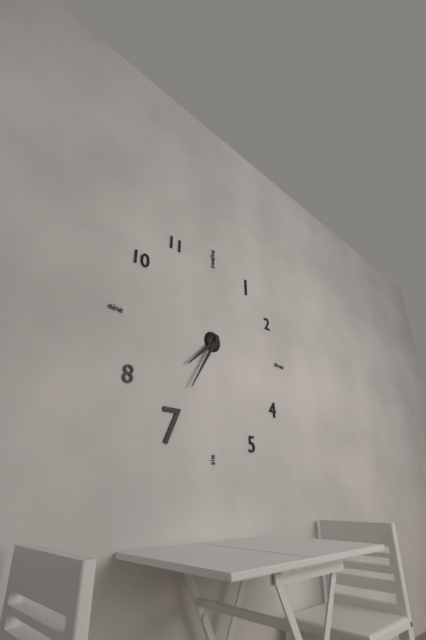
7h35
